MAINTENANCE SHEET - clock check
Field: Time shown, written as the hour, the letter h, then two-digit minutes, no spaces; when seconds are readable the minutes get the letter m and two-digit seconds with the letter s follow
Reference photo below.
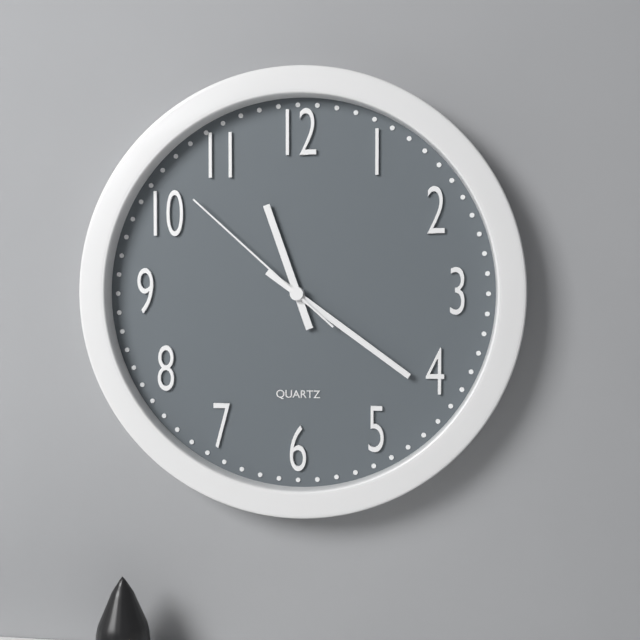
11h21m52s
